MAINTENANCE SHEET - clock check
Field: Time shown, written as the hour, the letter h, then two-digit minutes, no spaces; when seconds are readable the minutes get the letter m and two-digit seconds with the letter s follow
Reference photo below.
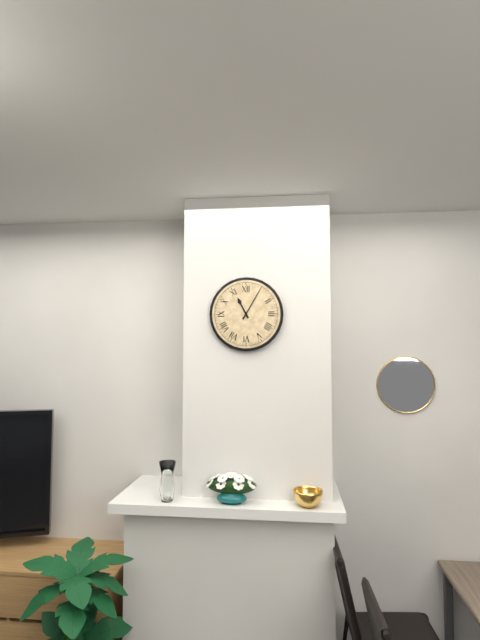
11h05
